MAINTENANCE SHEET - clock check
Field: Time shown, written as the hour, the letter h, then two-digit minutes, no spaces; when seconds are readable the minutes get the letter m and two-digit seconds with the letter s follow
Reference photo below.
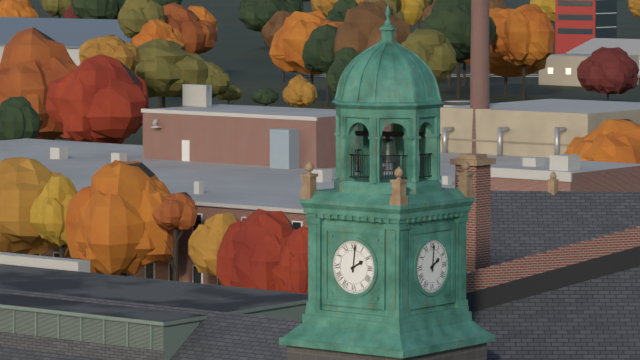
2h01
